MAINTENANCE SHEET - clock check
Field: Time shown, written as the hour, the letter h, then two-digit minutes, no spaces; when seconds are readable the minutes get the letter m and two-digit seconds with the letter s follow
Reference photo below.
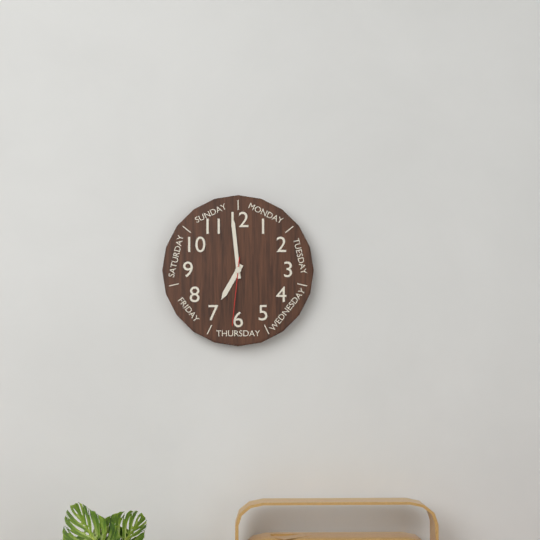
6h59m31s
